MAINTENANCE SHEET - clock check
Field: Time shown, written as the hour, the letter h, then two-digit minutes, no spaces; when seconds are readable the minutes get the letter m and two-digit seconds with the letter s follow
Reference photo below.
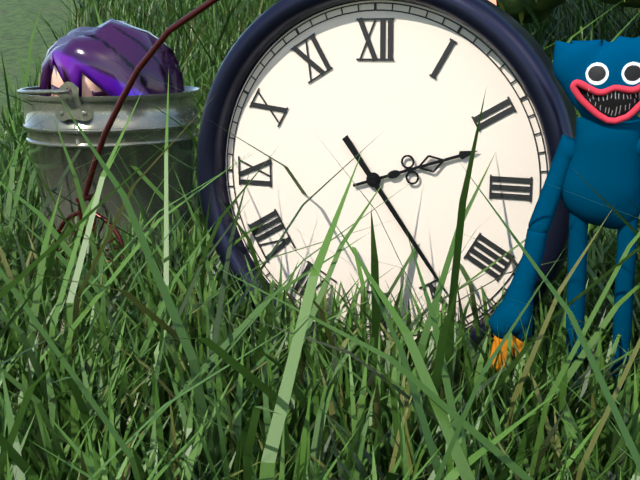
2h24
